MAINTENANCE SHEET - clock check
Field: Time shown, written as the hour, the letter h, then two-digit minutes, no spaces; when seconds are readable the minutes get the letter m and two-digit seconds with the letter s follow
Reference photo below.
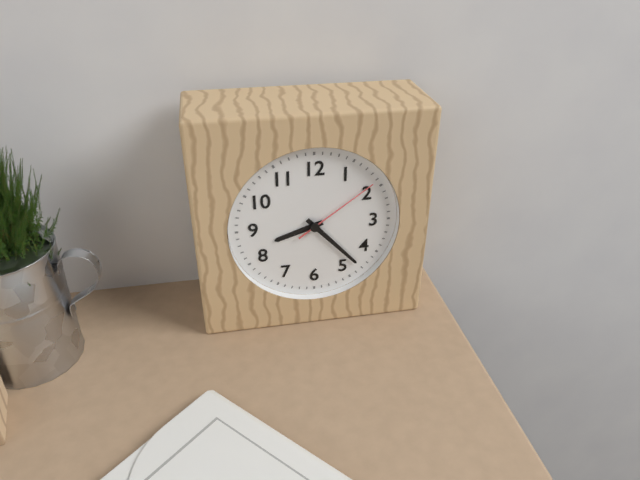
8h23m09s
